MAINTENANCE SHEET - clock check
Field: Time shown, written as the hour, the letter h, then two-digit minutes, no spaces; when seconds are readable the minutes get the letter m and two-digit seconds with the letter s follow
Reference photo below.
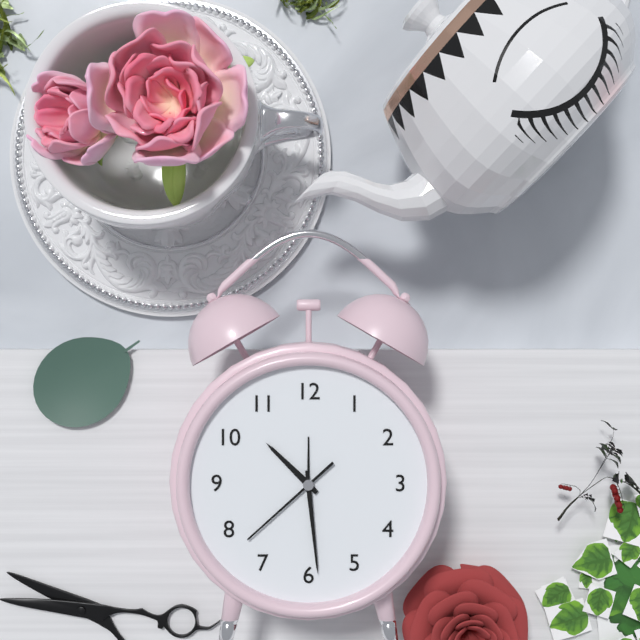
10h29m38s
